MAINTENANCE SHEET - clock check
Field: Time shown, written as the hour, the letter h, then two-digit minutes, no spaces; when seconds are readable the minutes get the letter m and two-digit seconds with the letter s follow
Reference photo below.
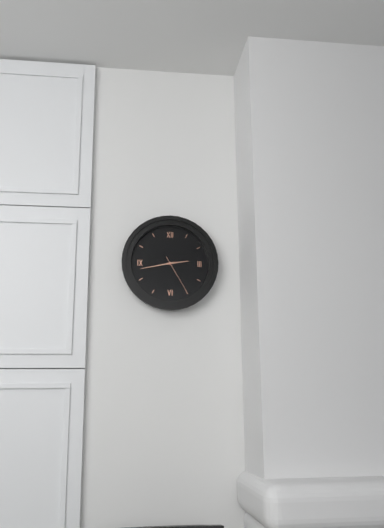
2h43
